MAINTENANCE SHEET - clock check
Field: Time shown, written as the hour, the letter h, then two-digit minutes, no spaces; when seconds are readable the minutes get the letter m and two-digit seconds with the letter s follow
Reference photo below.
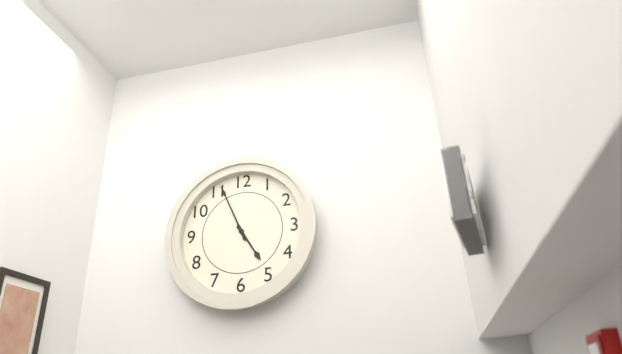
4h56
